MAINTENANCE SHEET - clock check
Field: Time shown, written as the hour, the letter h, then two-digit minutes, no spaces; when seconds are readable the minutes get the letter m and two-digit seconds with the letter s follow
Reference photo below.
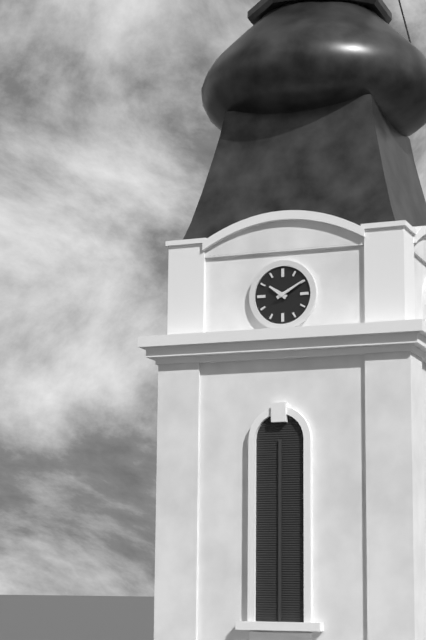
10h10
